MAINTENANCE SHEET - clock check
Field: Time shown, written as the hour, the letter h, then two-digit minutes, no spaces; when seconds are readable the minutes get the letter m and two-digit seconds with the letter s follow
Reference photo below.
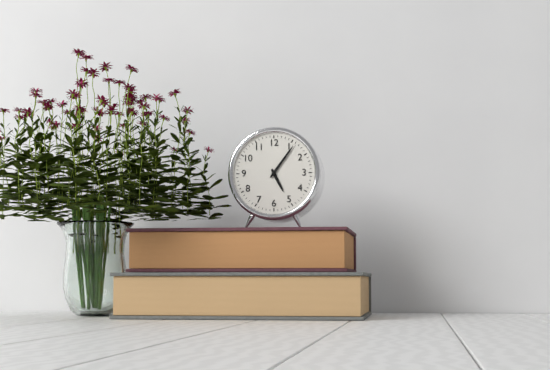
5h06
